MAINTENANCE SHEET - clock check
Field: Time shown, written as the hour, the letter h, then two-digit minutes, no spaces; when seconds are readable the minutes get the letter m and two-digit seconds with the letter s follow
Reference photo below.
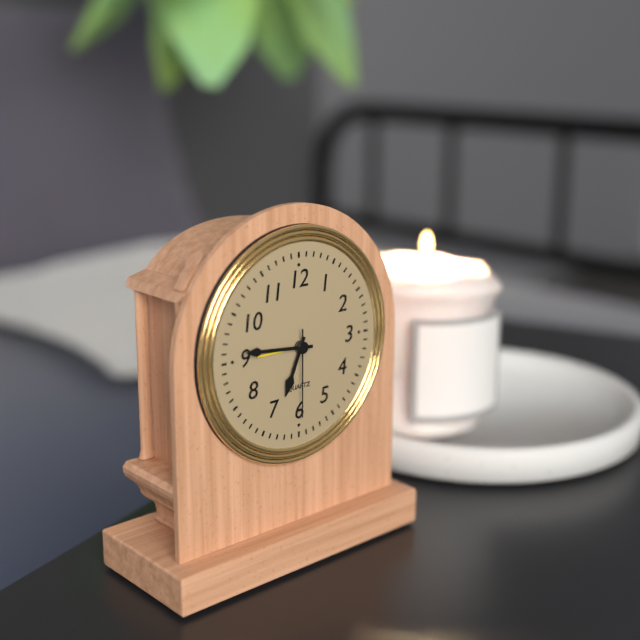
6h46m30s
